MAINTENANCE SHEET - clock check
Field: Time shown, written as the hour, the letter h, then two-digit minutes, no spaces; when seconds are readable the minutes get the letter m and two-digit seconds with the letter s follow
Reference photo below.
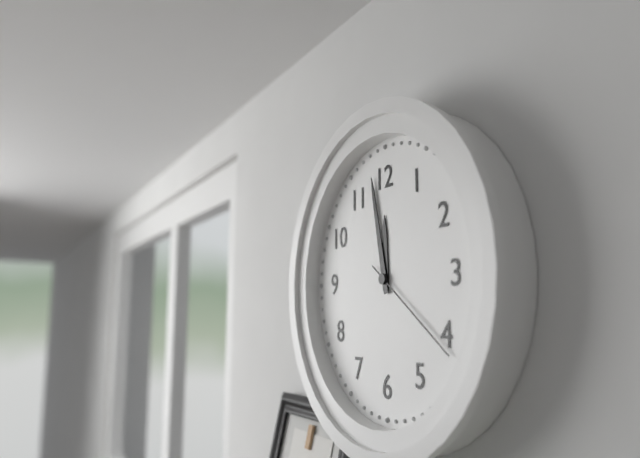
11h58m21s
